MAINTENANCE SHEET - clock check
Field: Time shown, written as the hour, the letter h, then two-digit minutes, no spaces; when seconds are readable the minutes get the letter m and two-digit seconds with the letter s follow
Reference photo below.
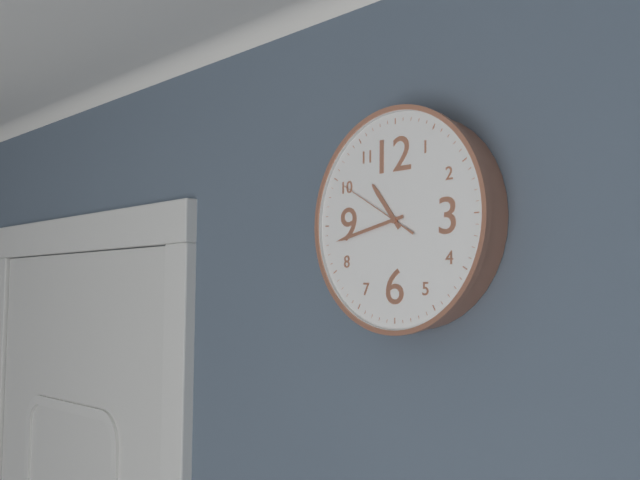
10h43m50s
